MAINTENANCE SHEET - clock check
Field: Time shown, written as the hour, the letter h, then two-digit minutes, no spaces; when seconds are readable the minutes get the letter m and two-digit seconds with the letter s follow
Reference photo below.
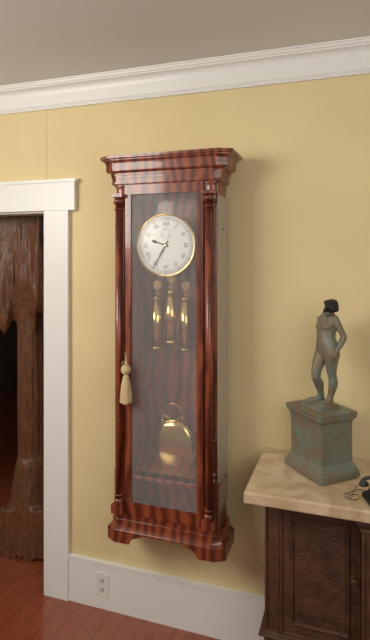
9h35
